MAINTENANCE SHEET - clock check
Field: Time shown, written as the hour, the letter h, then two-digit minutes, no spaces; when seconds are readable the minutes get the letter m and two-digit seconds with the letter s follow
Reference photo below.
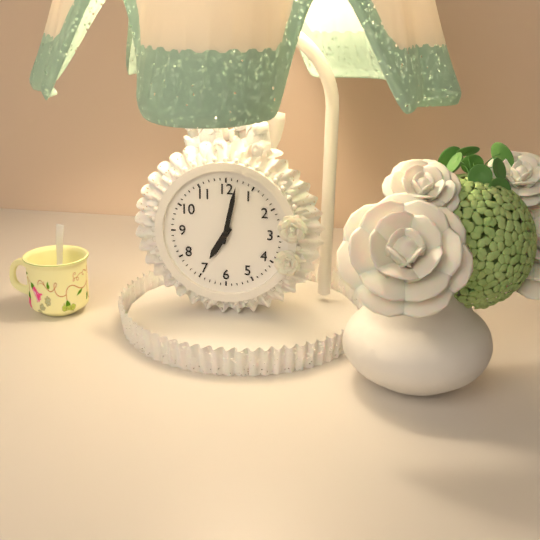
7h02
